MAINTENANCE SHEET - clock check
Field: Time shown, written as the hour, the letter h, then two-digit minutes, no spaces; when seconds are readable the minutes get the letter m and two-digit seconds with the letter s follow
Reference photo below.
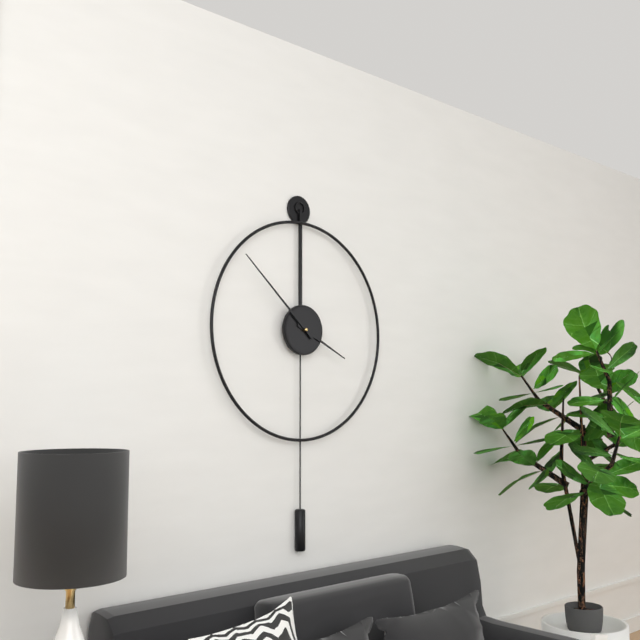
3h52
